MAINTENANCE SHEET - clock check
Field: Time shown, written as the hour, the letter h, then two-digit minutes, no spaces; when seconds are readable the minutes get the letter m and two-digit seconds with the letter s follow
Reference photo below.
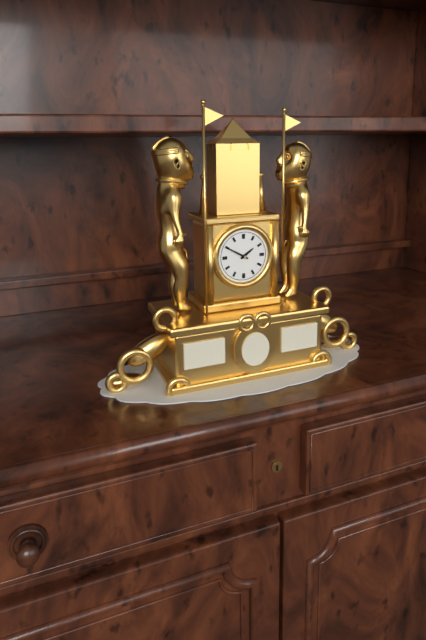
1h50
